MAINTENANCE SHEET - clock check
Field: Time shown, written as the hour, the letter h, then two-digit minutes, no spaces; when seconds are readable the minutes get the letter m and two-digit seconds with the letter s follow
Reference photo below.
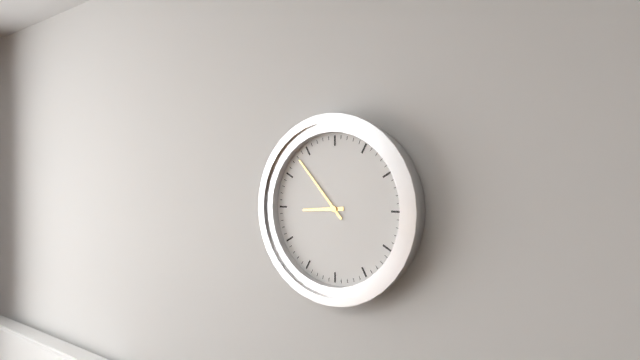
8h53
